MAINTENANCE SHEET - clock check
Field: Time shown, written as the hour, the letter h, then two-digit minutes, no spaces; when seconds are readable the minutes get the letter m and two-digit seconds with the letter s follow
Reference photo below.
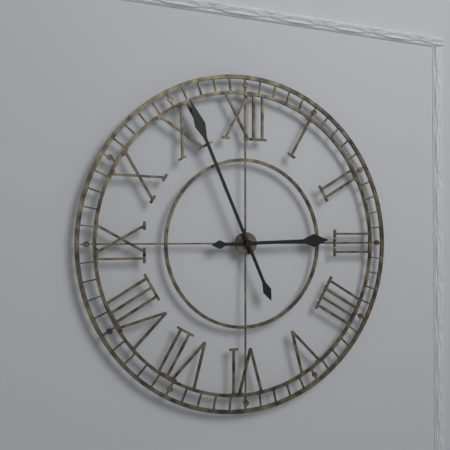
2h56
